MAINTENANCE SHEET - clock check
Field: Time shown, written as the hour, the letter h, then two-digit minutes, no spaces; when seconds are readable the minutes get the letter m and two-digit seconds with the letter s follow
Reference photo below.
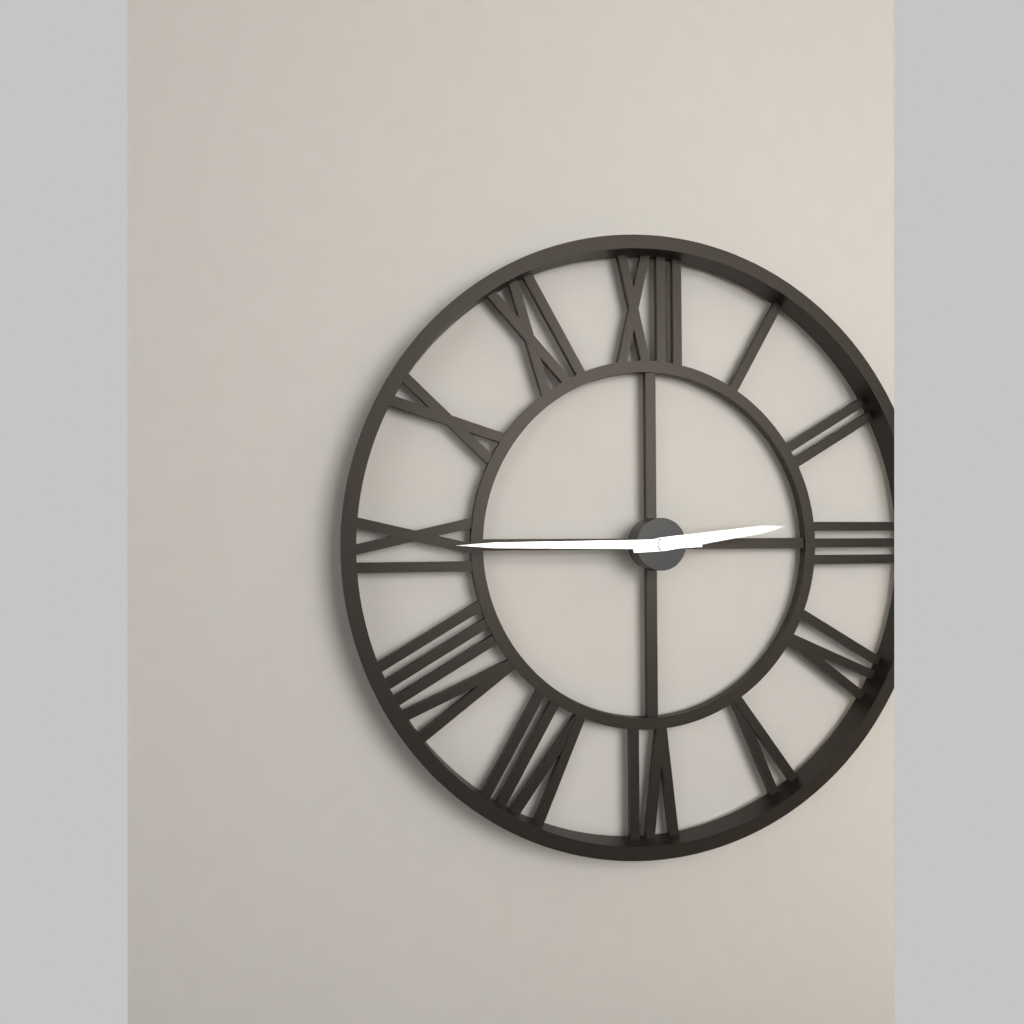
2h45
